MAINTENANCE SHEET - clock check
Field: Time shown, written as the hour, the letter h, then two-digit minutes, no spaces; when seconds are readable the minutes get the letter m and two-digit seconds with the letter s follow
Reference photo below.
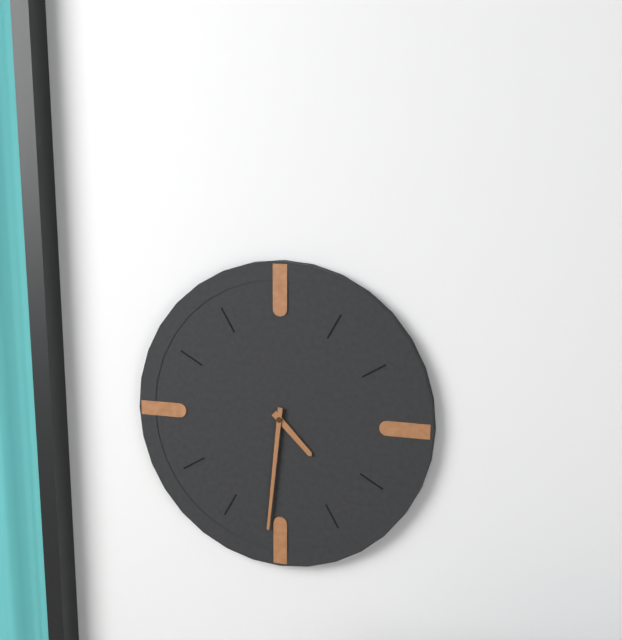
4h31
